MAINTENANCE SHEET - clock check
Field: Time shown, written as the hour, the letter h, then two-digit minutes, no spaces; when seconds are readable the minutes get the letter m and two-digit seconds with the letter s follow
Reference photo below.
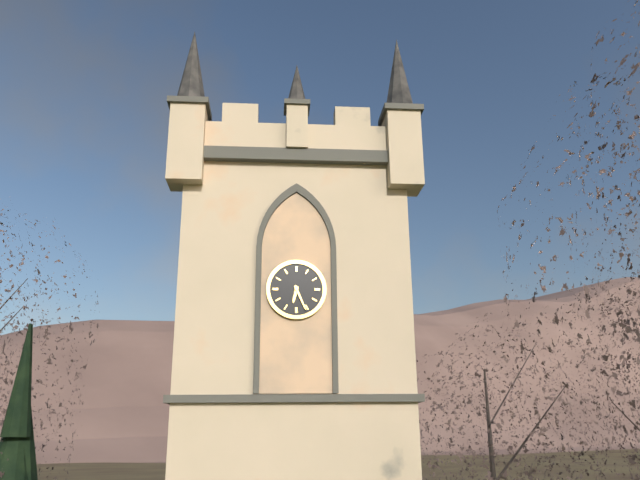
6h26
